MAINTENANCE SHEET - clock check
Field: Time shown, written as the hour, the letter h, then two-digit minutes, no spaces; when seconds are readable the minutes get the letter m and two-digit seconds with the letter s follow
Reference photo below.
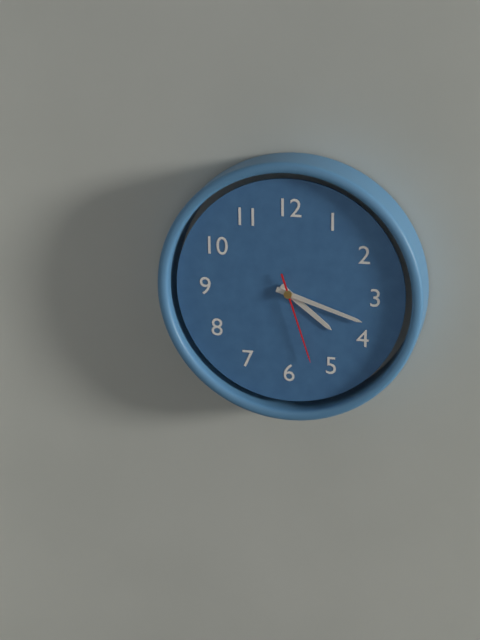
4h18m27s
